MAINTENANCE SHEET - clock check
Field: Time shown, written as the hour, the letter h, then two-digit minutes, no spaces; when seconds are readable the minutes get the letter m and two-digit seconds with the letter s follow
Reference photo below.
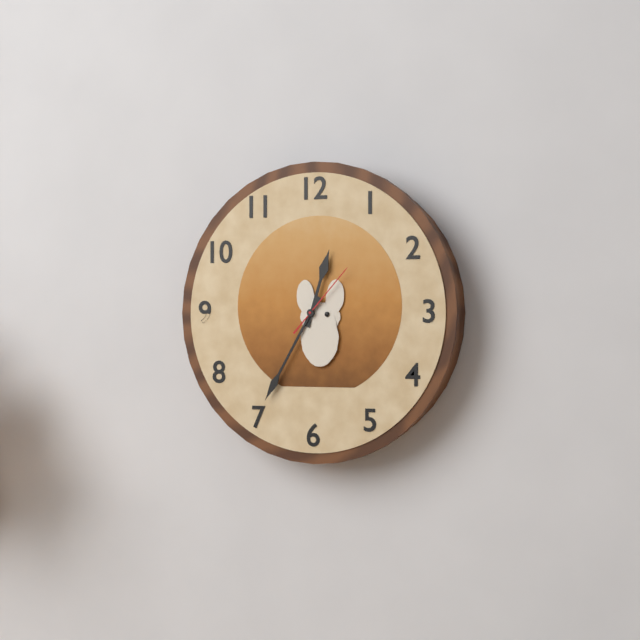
12h35m07s
